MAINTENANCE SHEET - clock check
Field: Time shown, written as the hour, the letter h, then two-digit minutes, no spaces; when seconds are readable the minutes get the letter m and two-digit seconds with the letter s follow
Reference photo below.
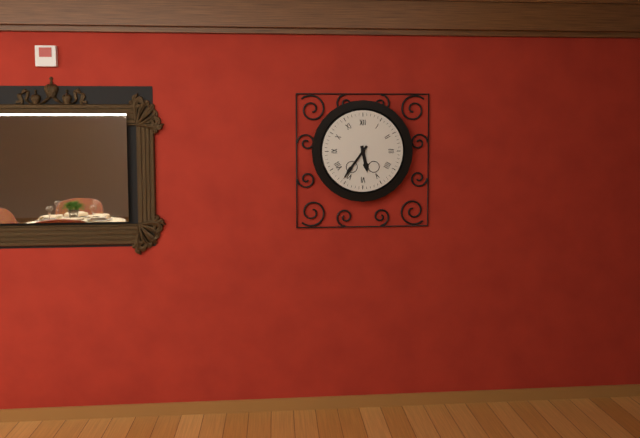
5h36
